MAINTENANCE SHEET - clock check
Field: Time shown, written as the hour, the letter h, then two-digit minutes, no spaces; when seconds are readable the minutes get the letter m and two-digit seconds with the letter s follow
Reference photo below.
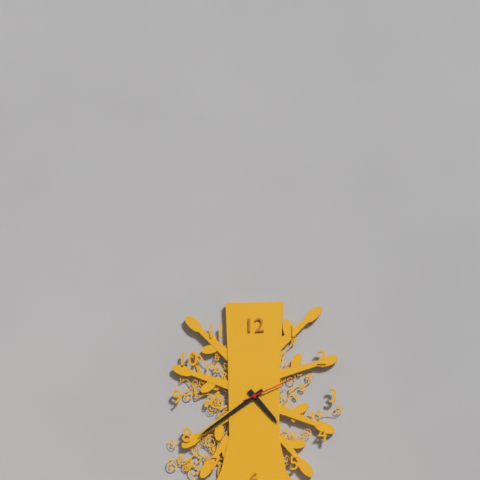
4h39m11s
